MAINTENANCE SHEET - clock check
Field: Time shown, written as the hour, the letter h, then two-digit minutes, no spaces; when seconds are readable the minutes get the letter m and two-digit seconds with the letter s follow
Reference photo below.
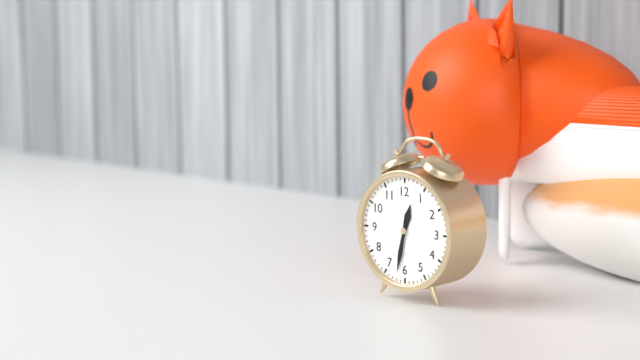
12h32
